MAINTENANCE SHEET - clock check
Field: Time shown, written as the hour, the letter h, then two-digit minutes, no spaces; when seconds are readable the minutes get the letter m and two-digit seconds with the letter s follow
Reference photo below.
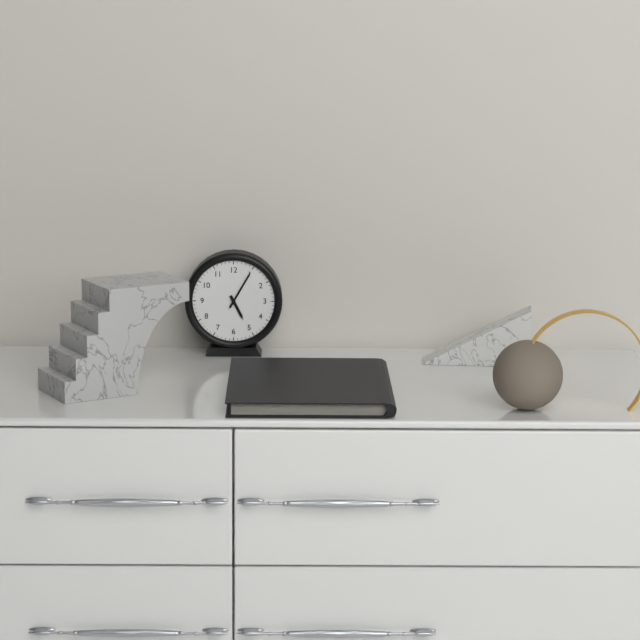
5h05
